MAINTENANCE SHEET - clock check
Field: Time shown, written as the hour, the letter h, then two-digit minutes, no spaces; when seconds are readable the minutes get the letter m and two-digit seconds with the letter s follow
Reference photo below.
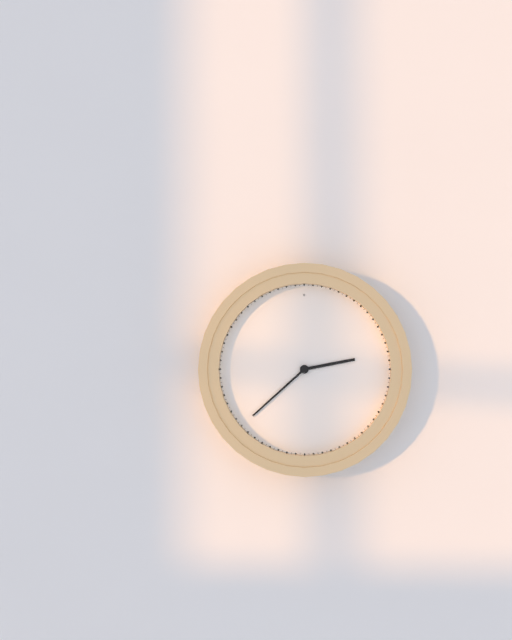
2h38
